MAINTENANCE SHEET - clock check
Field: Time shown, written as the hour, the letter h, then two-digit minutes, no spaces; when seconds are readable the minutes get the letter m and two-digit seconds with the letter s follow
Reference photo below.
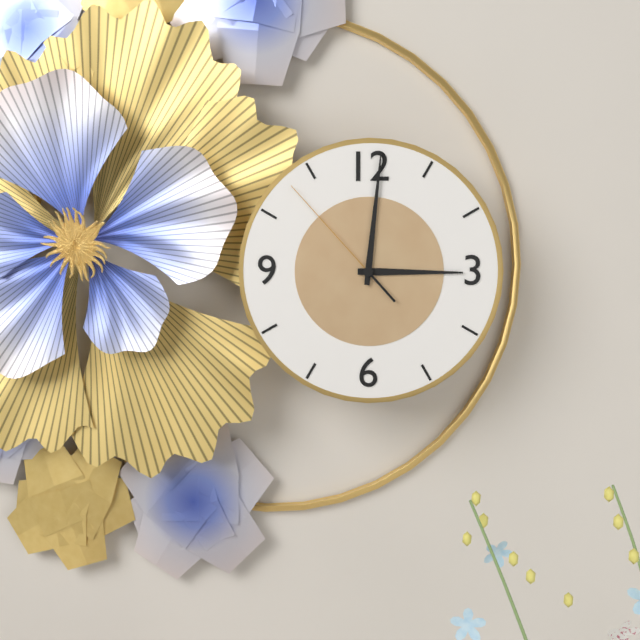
3h01m53s
